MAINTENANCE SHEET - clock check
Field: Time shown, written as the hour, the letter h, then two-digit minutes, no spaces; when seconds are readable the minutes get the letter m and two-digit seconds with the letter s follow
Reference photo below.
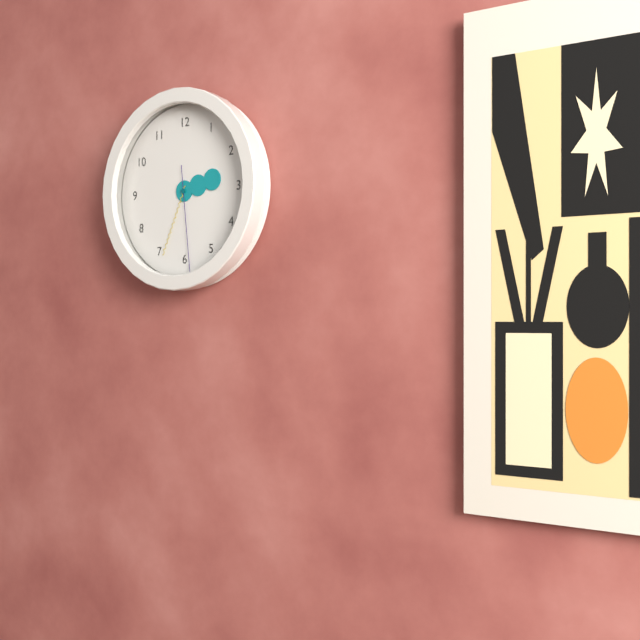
2h34m29s
